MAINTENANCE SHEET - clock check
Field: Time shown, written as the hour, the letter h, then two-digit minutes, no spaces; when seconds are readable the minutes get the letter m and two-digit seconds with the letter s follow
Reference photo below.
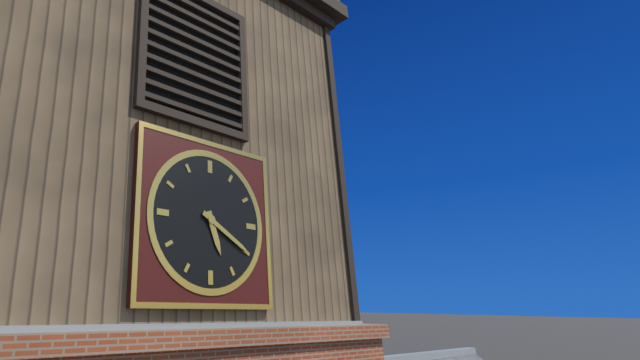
5h20
